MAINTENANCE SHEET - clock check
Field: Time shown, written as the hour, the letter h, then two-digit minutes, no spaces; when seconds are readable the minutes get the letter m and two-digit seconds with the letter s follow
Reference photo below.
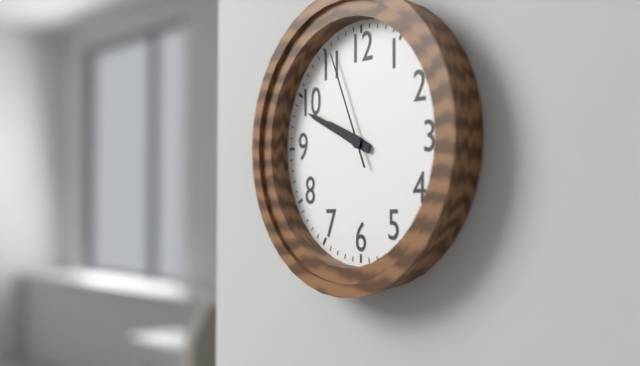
9h49m56s
